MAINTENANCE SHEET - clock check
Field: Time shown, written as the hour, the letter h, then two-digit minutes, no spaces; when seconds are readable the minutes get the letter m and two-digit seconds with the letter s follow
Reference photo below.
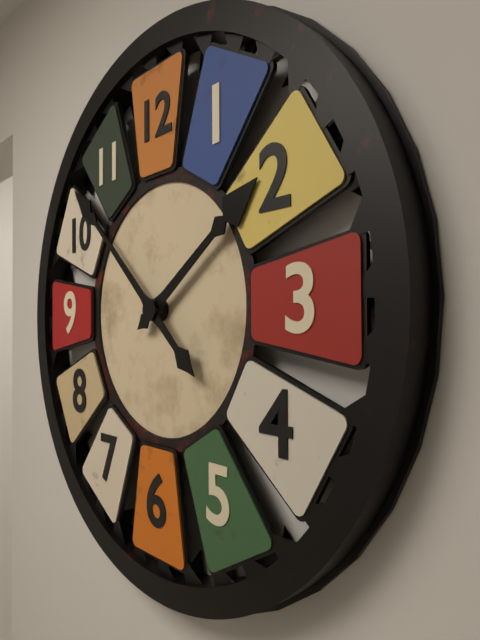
1h52
